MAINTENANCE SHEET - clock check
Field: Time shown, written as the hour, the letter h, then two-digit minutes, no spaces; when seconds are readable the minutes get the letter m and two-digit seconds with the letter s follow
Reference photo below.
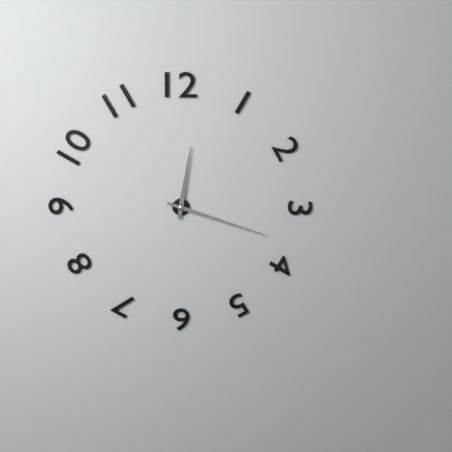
12h18
